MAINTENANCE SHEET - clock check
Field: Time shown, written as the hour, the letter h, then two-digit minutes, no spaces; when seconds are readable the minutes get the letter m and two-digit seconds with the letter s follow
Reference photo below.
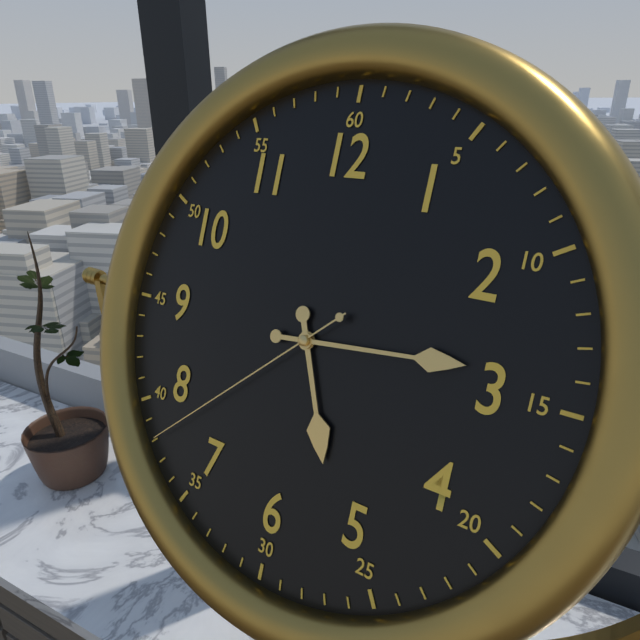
5h14m38s
